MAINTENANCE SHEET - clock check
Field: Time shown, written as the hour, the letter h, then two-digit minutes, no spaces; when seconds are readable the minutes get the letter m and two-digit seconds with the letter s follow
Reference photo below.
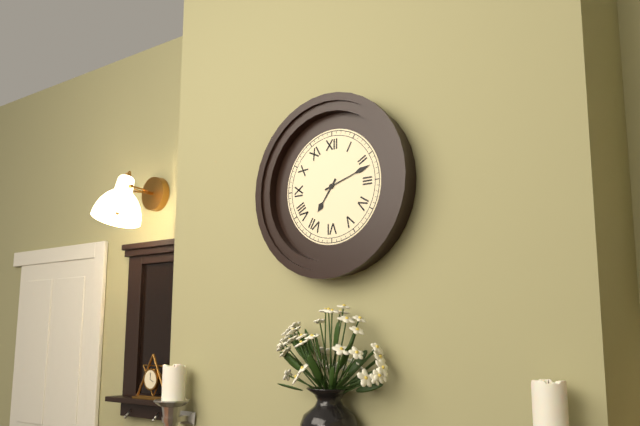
7h12
